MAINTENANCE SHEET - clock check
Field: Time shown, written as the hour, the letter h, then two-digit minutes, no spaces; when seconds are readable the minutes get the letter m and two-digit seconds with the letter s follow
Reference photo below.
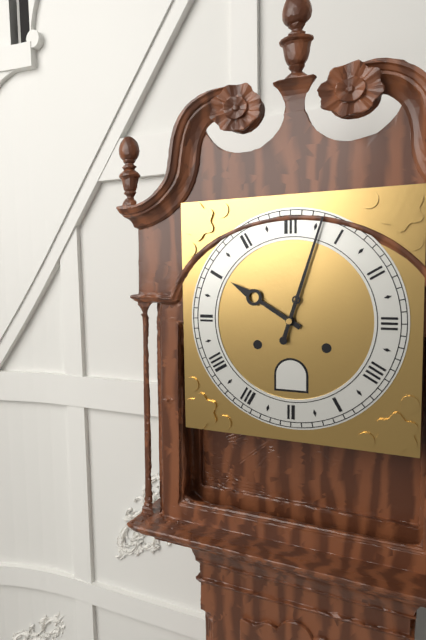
10h03
